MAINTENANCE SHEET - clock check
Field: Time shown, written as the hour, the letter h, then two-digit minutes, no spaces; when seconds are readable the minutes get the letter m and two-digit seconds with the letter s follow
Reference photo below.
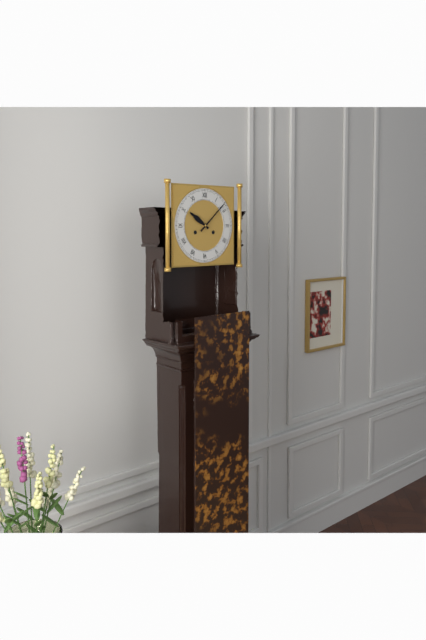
10h08
